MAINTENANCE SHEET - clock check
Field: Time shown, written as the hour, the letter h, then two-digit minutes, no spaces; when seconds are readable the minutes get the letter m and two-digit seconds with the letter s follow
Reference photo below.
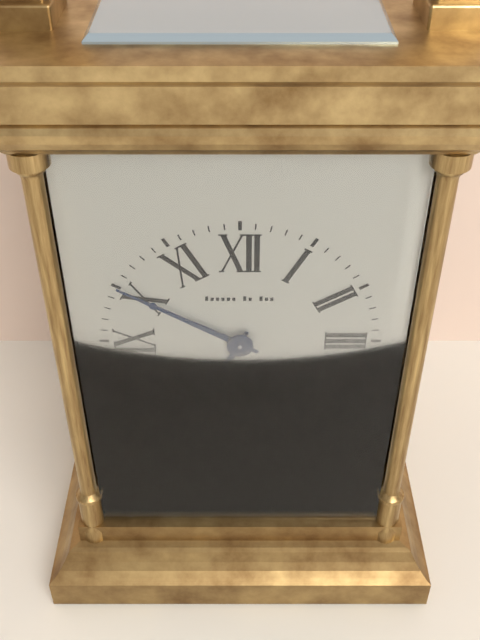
6h50
